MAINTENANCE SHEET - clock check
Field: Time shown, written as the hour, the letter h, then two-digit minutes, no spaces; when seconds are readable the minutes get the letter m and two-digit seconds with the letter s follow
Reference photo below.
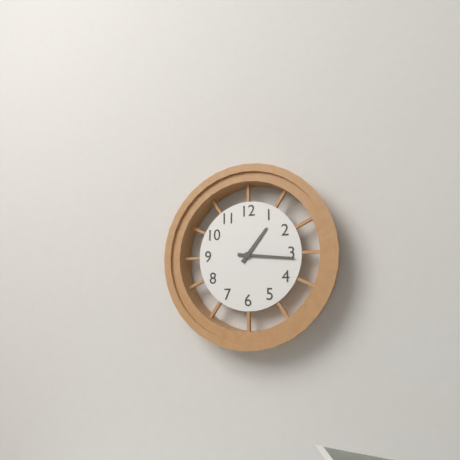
1h16
